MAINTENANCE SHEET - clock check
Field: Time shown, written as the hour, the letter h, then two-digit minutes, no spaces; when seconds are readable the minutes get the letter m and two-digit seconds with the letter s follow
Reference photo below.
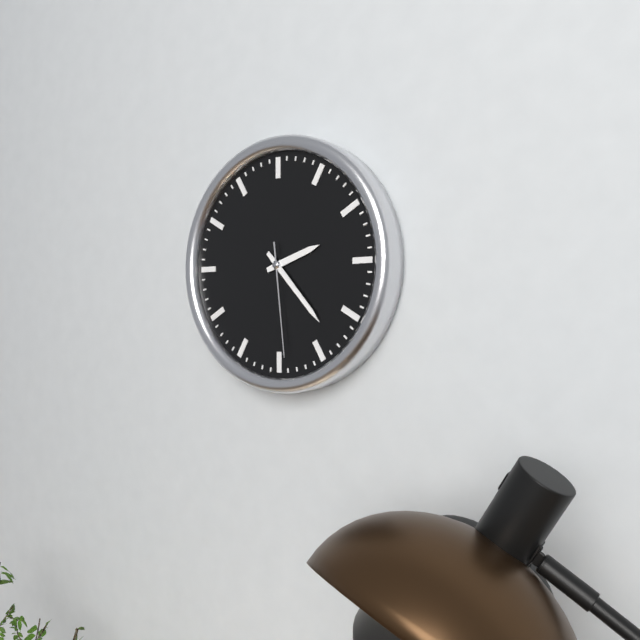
2h23m29s
